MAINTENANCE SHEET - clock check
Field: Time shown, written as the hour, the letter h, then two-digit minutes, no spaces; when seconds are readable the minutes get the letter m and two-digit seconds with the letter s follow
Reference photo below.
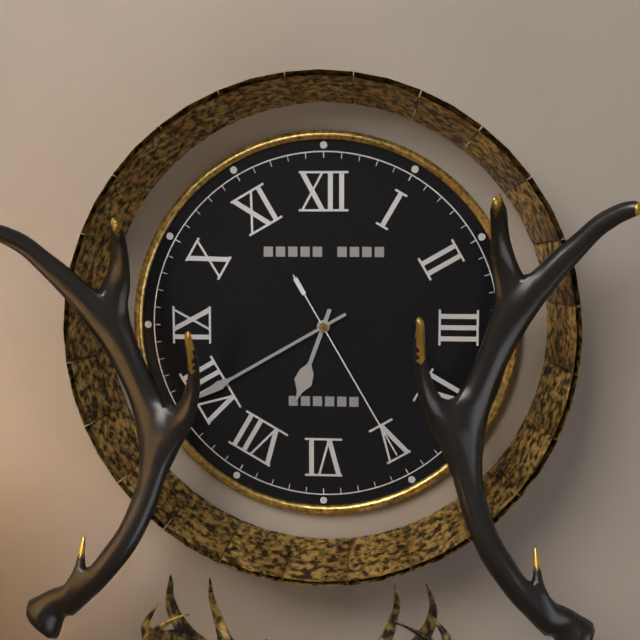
6h40m25s
